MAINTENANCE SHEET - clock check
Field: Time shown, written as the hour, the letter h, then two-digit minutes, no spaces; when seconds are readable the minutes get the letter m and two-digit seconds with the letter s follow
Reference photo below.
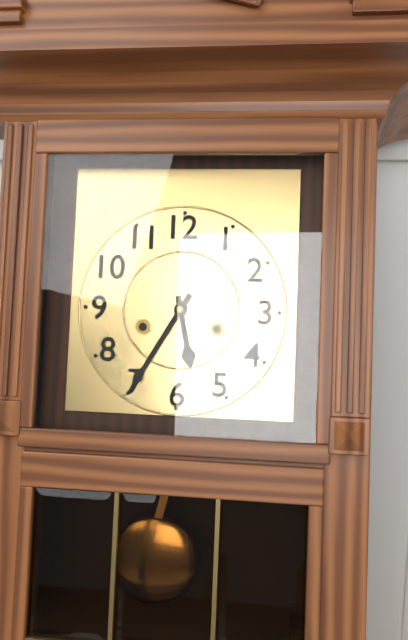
5h35
